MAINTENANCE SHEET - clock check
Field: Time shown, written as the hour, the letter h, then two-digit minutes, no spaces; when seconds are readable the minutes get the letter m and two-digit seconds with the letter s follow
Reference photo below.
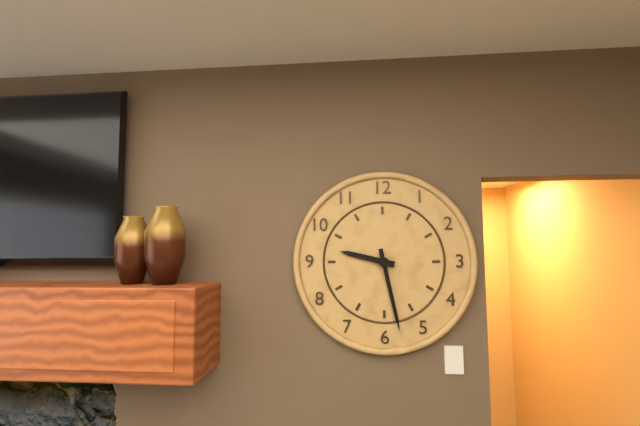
9h28
